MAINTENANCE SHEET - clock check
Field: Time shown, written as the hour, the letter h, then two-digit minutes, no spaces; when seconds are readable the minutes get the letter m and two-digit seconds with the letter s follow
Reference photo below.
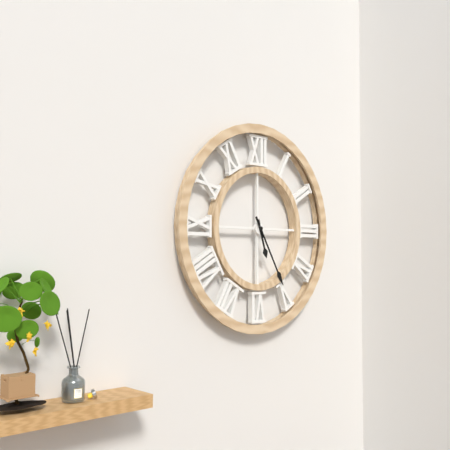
5h25
